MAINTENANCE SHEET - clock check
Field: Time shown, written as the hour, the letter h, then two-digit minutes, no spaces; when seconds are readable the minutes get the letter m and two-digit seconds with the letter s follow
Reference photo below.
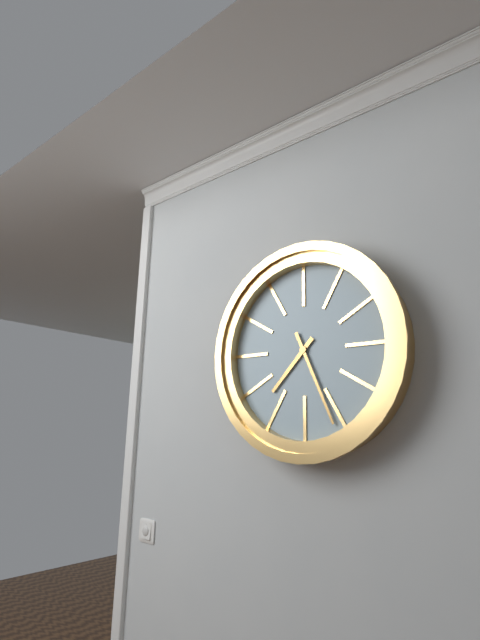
7h26
